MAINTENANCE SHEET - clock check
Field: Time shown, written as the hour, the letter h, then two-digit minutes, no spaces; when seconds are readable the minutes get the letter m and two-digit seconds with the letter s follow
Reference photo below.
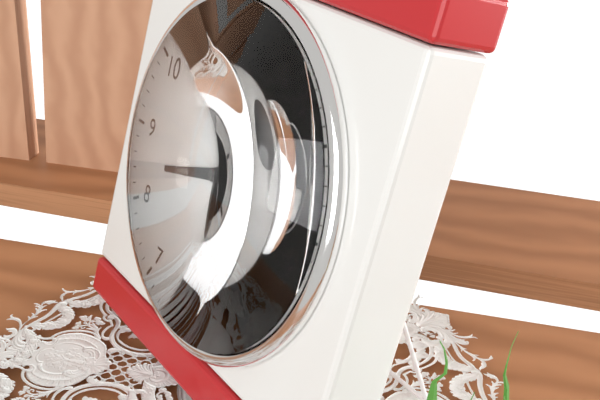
8h26m29s
